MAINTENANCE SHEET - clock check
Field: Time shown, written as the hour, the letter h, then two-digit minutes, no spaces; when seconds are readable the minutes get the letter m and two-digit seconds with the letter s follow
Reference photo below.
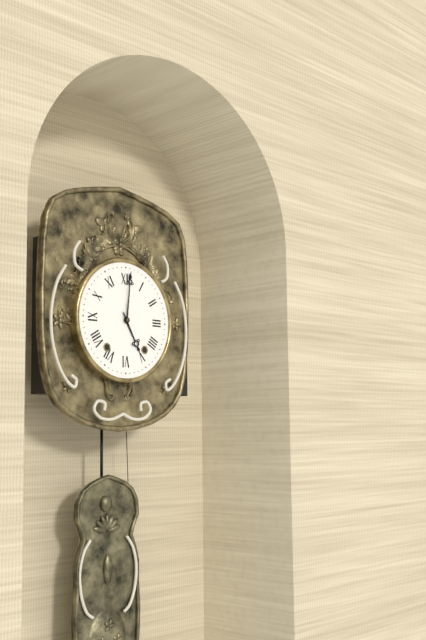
5h01
